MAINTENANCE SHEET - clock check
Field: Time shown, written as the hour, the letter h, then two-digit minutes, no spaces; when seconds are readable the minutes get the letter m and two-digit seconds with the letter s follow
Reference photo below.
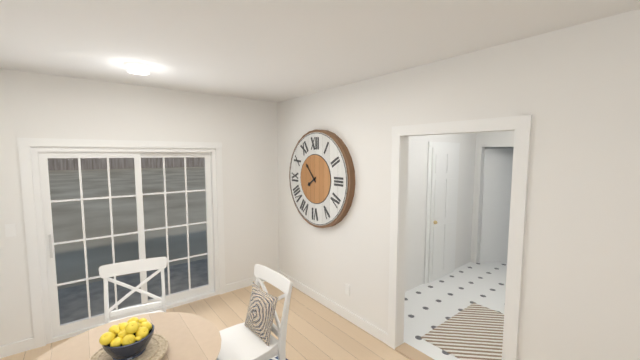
7h53
